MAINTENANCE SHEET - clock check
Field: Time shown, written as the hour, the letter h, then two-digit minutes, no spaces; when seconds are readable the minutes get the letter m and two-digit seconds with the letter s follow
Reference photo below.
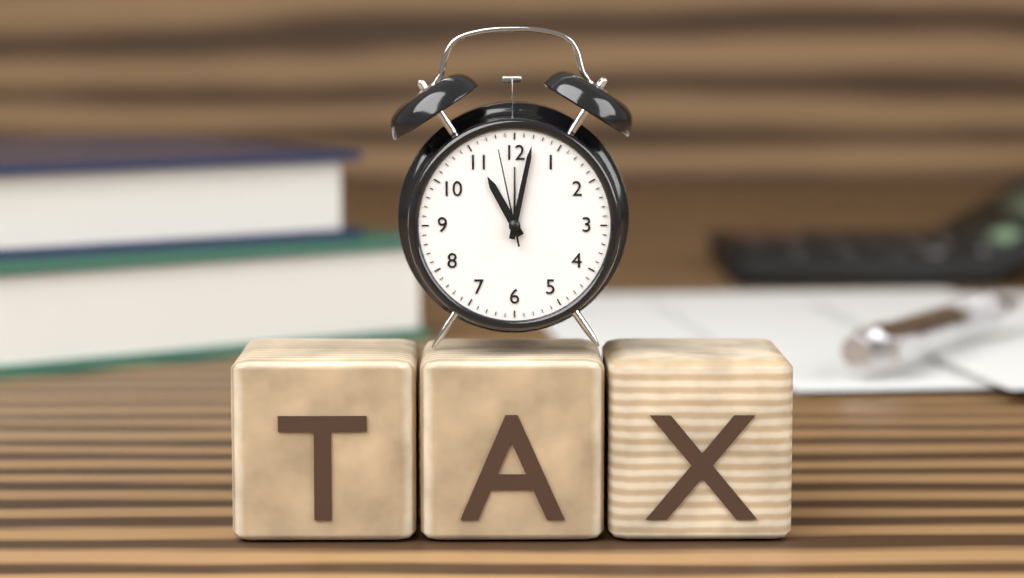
11h02m58s
